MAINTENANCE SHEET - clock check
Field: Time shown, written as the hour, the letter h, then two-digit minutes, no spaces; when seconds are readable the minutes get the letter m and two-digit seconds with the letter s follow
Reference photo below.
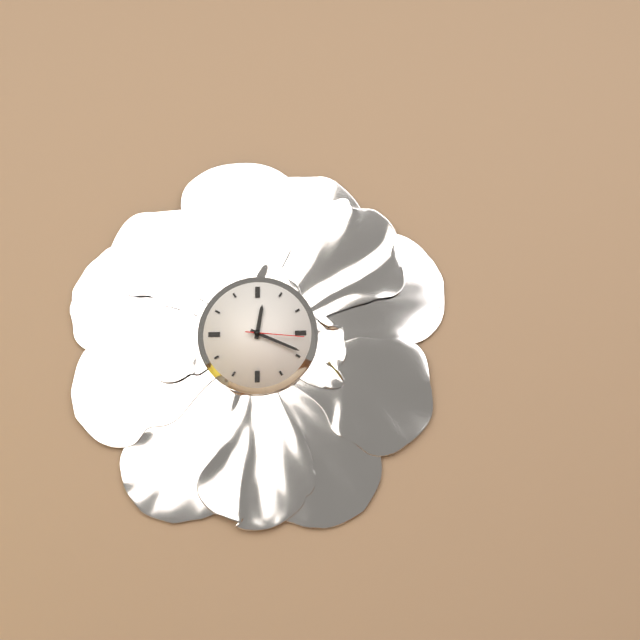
12h19m16s
